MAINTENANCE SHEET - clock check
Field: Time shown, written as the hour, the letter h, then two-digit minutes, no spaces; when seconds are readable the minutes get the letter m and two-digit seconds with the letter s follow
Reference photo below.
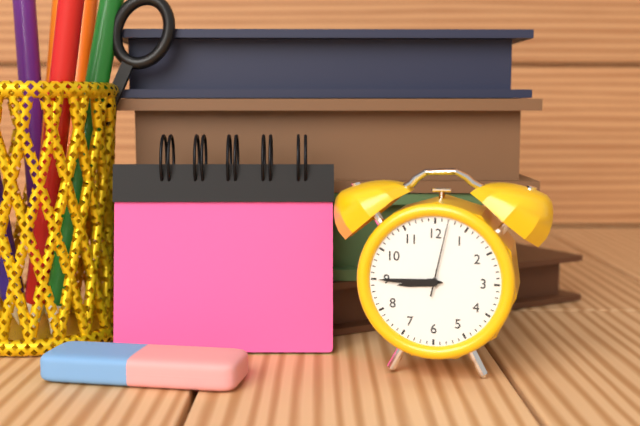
8h45m02s
